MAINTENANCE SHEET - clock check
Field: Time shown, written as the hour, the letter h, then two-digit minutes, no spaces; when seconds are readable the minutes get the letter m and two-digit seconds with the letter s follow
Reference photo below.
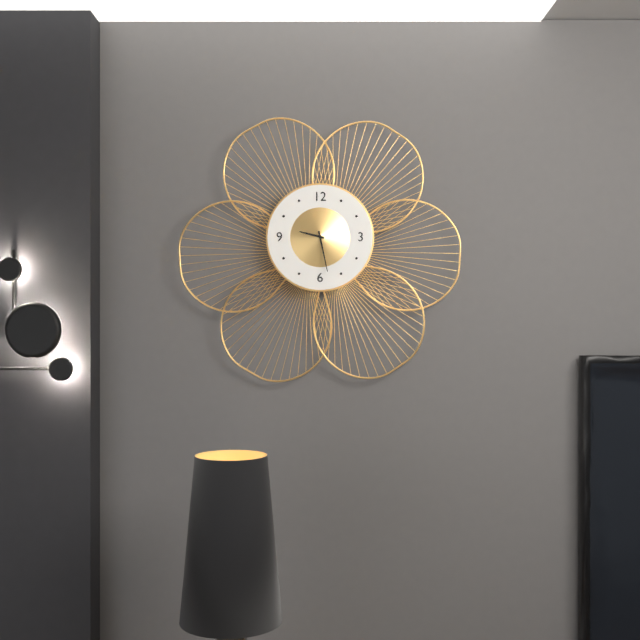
9h28
